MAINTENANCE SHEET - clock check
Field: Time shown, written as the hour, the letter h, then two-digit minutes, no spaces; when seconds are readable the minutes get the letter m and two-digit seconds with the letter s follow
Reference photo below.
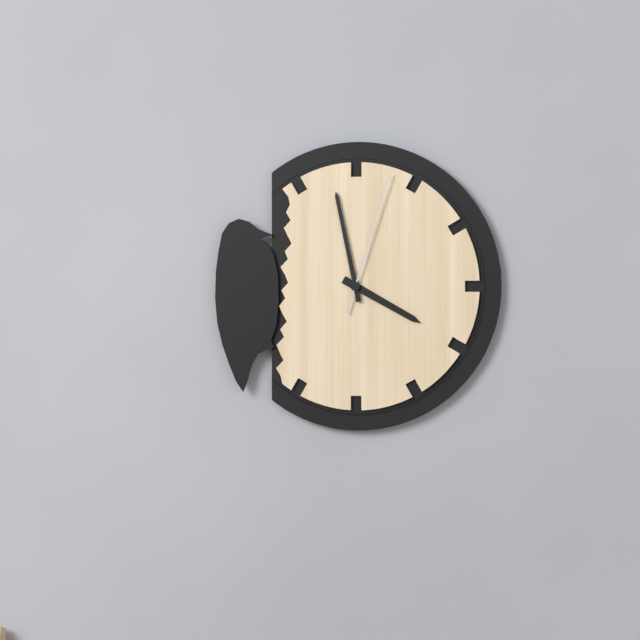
3h58m03s
